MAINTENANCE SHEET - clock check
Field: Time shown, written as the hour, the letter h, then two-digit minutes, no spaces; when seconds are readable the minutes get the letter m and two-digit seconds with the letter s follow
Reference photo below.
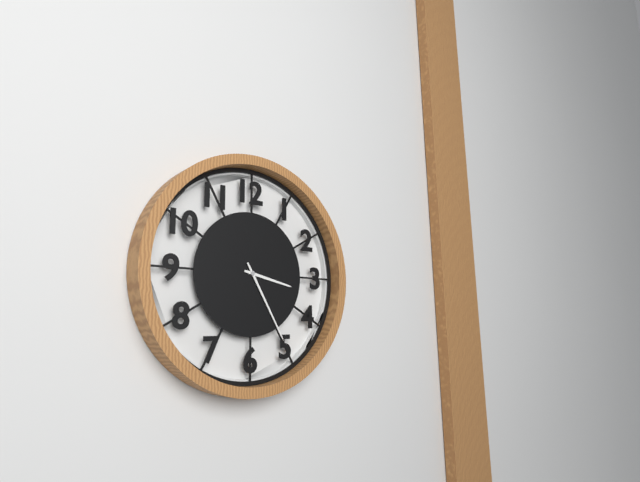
3h25
